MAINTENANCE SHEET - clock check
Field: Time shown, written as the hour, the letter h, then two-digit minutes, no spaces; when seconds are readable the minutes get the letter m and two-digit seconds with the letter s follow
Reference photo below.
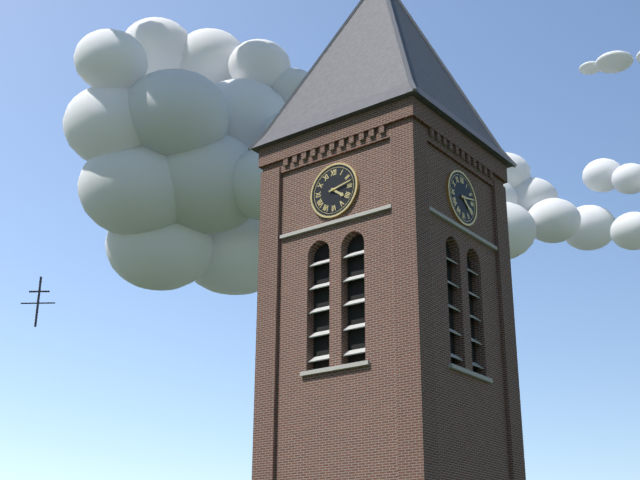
4h13
